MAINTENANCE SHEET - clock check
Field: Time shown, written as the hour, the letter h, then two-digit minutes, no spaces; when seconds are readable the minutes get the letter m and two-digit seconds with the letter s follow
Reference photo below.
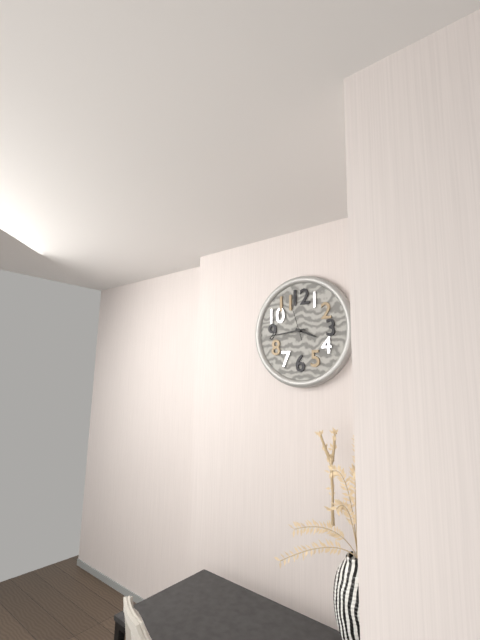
3h44
